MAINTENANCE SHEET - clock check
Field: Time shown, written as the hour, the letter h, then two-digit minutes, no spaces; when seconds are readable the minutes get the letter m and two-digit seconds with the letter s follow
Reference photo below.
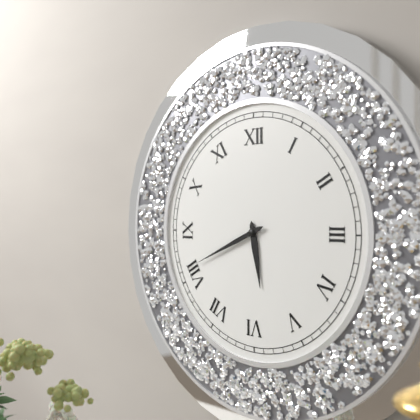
5h41
